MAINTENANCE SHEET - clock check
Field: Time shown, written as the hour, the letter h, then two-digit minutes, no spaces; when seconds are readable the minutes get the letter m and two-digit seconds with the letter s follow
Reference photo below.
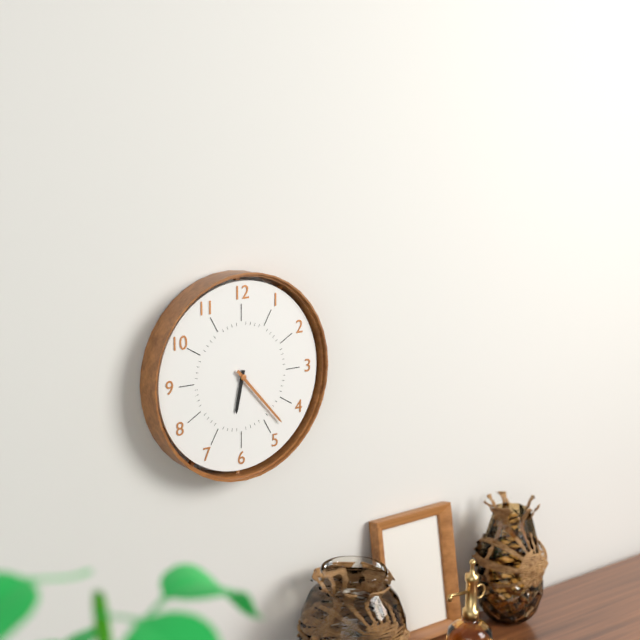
6h23
